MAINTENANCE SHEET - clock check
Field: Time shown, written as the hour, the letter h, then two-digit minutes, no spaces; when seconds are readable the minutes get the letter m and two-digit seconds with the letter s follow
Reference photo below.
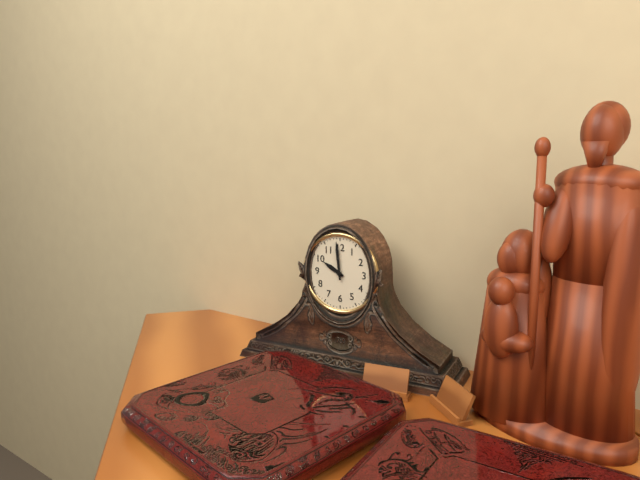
9h59
